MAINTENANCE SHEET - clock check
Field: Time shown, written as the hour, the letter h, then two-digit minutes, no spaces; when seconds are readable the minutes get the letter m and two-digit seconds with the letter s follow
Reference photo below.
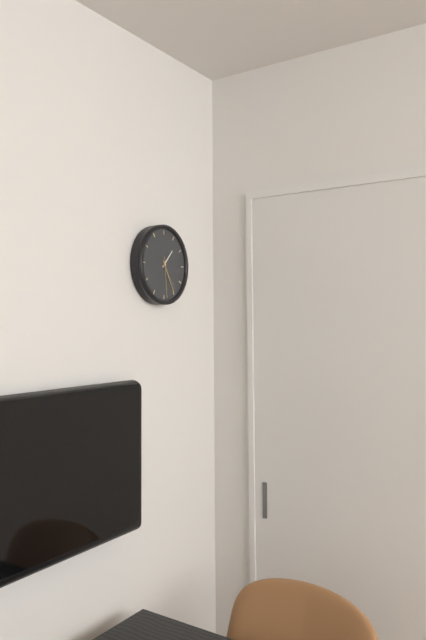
1h25
